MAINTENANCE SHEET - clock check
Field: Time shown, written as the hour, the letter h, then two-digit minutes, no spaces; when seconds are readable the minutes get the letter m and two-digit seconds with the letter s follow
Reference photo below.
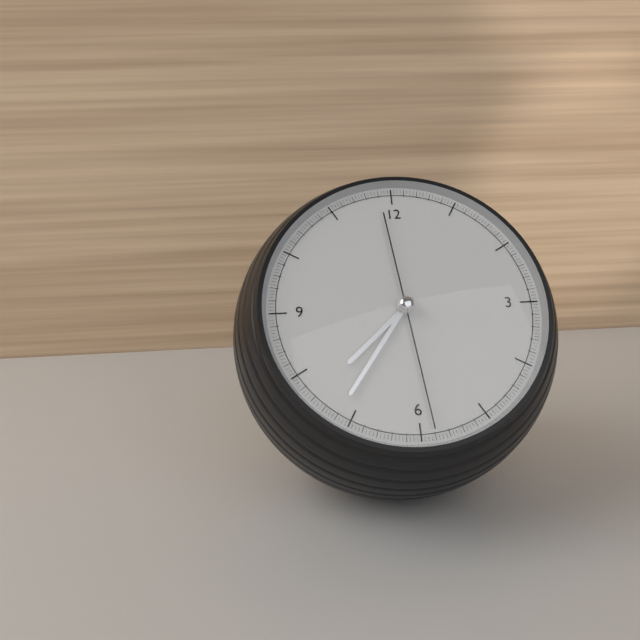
7h36m29s
